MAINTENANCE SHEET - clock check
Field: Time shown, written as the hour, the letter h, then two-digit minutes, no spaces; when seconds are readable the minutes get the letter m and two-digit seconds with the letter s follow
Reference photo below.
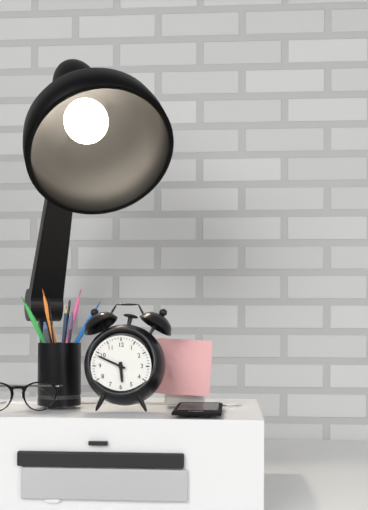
5h49
